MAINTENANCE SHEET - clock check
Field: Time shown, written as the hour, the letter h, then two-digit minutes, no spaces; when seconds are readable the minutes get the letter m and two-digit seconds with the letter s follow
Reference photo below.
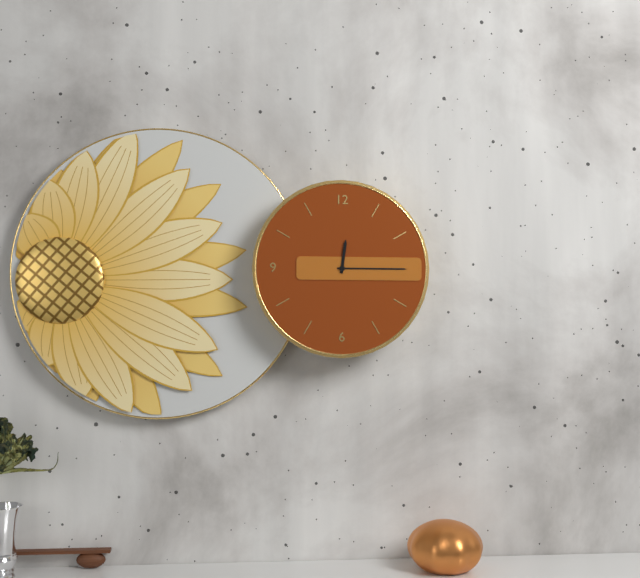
12h15
